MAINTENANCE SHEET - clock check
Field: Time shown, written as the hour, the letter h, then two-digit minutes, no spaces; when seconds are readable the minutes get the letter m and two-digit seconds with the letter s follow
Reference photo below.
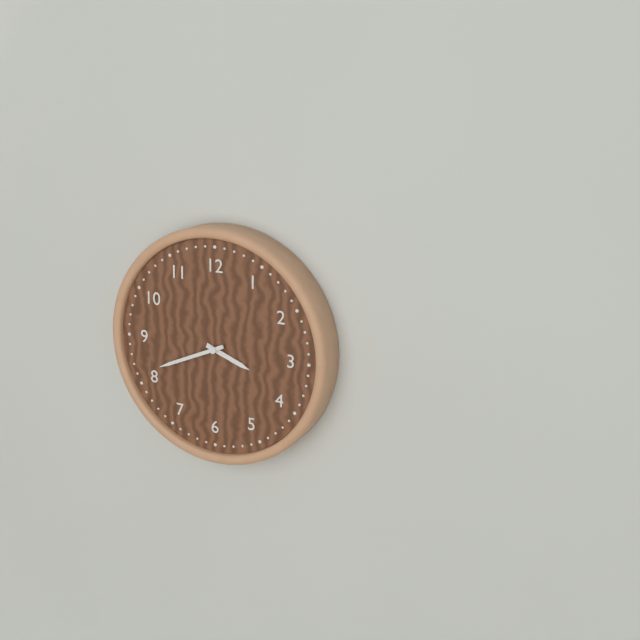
3h41
